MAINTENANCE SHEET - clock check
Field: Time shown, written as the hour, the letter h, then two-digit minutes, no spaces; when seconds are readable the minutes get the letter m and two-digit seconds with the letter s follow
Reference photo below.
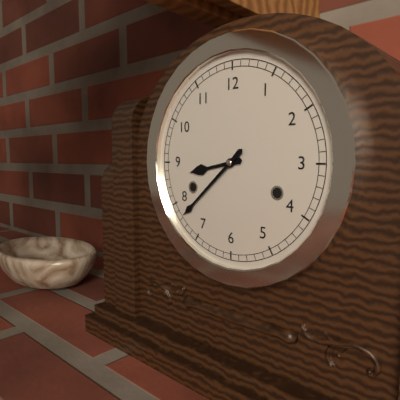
8h38
